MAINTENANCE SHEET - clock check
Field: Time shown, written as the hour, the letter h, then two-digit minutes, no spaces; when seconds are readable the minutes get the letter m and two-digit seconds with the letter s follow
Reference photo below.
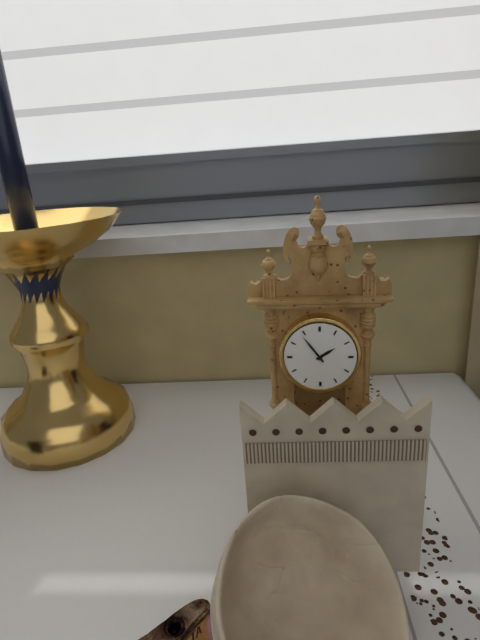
1h54
